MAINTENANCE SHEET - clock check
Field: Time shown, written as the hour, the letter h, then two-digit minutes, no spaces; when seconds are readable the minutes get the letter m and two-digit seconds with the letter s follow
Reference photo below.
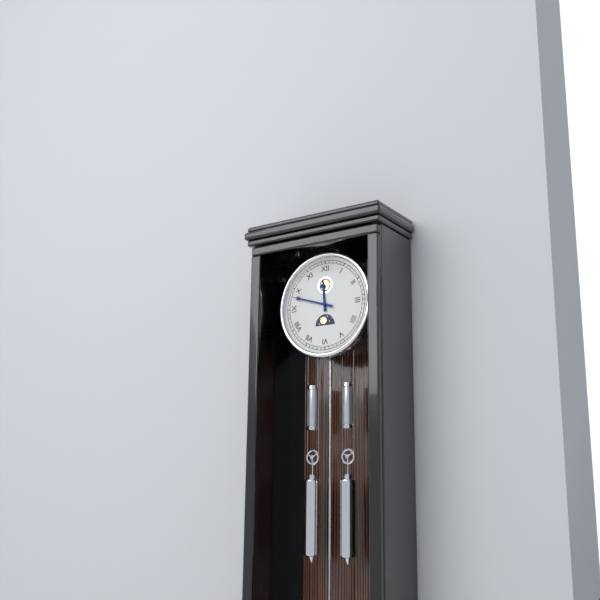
11h48
